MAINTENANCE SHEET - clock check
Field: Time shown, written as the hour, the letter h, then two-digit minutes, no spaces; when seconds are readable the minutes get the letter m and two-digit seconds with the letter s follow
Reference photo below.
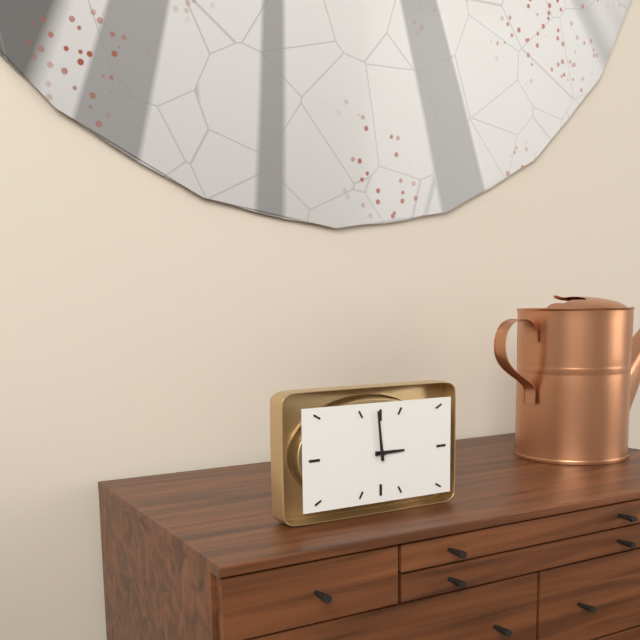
2h59
